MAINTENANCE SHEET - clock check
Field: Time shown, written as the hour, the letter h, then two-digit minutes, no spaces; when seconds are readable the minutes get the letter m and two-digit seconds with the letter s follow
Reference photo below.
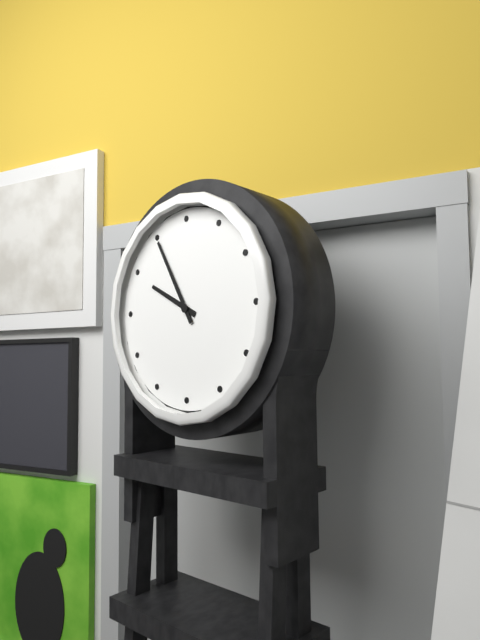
9h55
